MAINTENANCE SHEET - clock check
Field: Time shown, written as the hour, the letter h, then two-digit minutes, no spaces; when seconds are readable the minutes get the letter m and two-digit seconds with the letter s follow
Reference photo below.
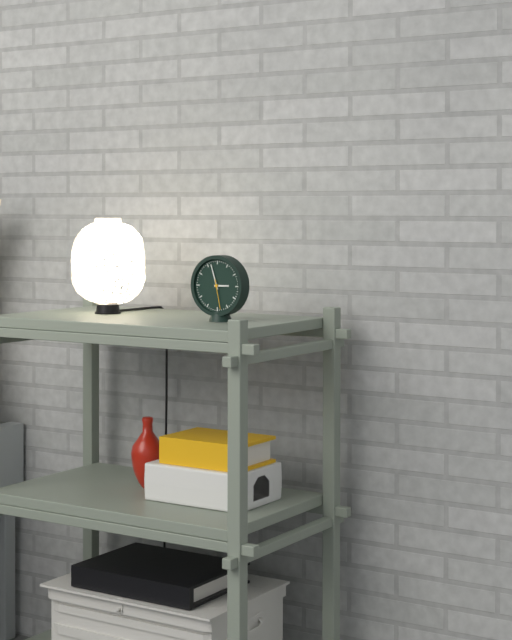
2h57
